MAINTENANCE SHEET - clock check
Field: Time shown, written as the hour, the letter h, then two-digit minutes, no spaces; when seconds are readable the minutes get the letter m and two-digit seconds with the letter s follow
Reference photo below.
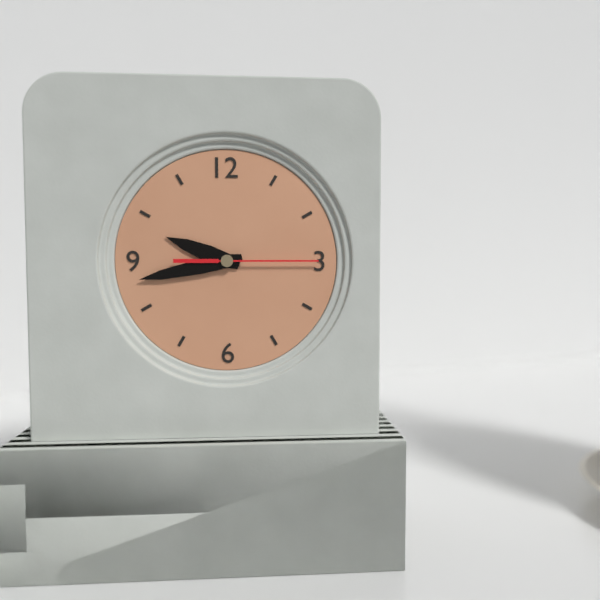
9h43m15s
